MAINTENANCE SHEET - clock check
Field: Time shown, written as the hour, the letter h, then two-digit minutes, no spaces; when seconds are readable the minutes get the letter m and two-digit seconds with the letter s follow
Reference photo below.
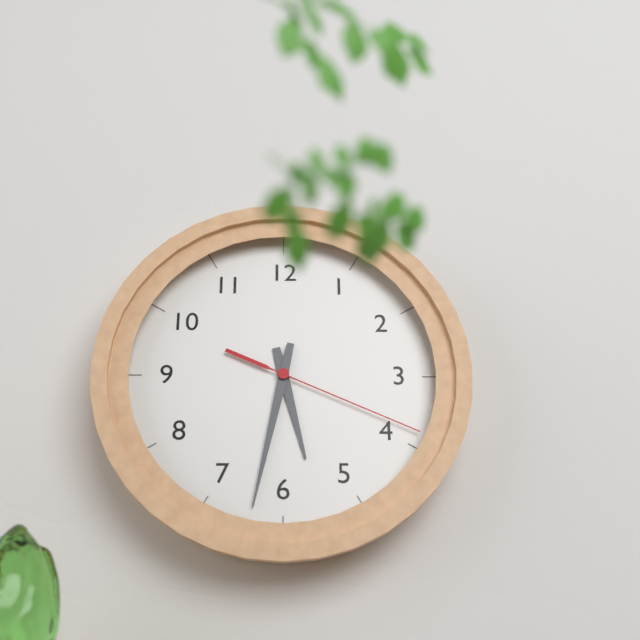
5h32m19s
